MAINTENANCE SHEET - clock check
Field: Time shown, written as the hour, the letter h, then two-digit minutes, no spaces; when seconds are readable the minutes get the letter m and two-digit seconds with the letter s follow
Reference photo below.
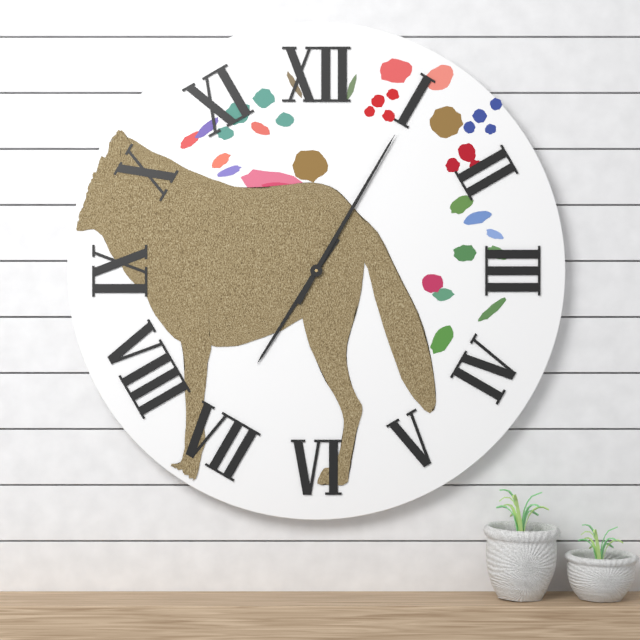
7h05
